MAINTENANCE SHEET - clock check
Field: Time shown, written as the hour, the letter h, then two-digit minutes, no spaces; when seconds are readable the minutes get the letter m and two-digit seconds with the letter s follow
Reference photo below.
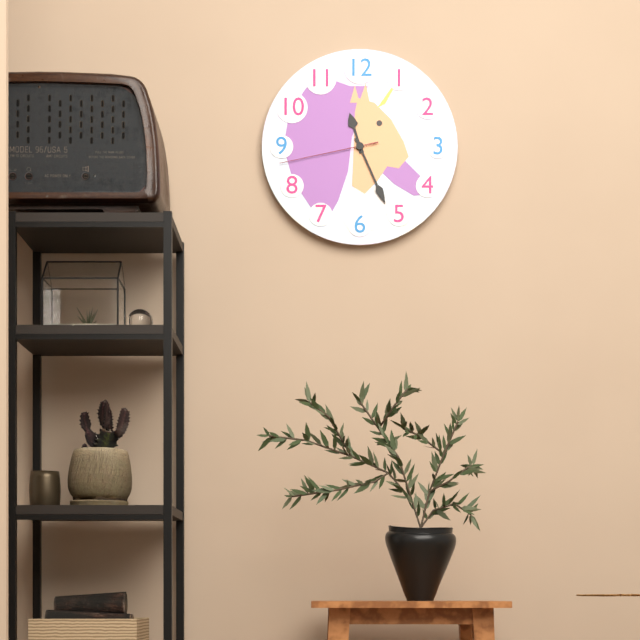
11h26m43s
